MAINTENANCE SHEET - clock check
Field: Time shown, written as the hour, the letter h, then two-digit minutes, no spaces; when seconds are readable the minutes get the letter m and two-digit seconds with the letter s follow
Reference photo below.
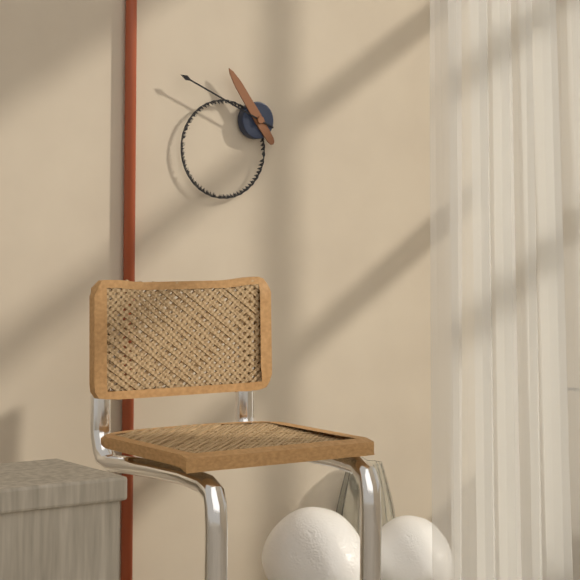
10h49
